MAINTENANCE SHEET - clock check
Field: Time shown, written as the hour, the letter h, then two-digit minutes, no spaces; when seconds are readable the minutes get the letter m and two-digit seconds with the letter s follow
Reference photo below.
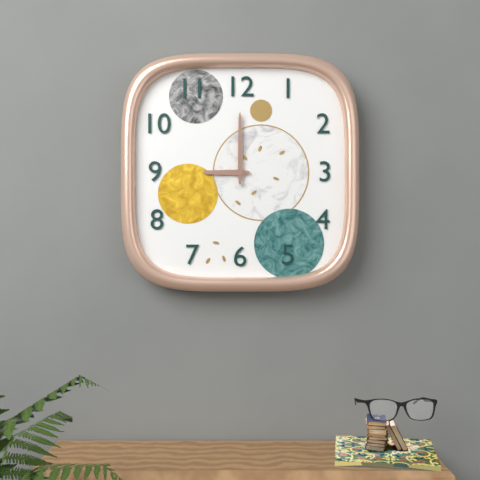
9h00
